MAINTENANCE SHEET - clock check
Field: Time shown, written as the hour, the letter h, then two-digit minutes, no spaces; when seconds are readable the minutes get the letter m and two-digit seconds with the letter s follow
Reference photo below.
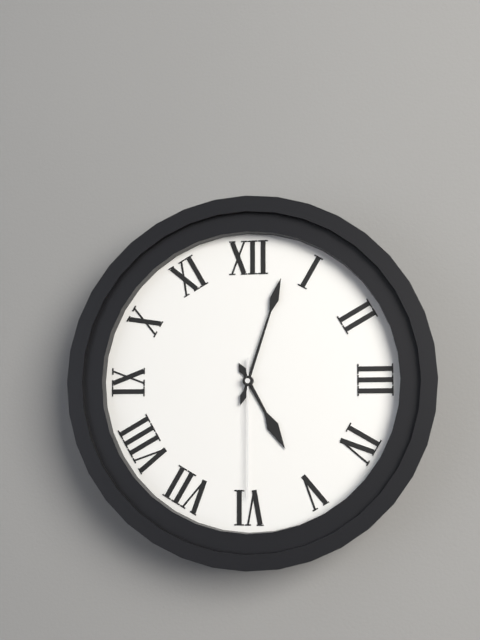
5h03m30s
